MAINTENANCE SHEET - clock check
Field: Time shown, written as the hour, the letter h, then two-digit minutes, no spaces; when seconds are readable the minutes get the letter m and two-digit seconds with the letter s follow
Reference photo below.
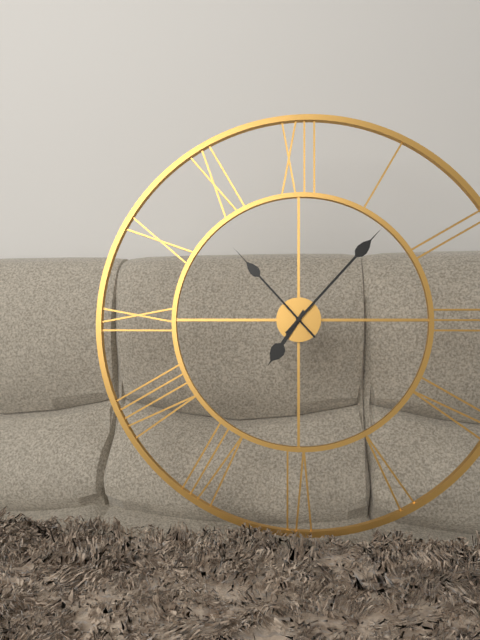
7h07m53s
